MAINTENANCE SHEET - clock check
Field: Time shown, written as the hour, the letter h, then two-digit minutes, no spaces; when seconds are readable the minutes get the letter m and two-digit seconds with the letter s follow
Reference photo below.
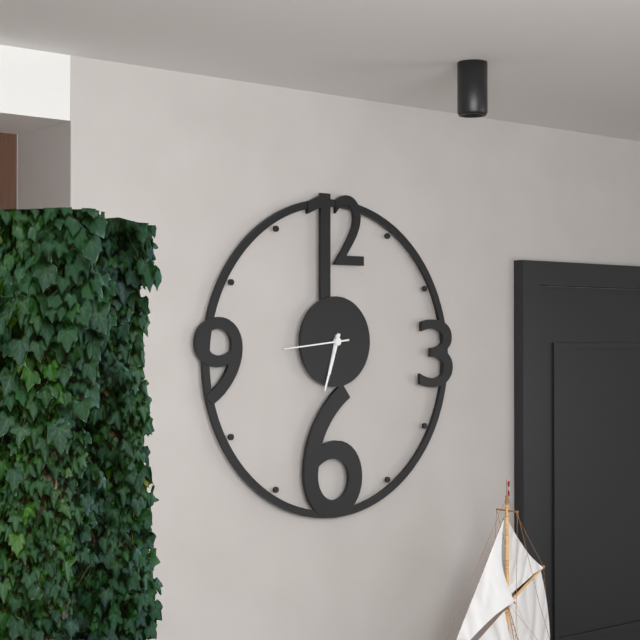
6h33m44s
